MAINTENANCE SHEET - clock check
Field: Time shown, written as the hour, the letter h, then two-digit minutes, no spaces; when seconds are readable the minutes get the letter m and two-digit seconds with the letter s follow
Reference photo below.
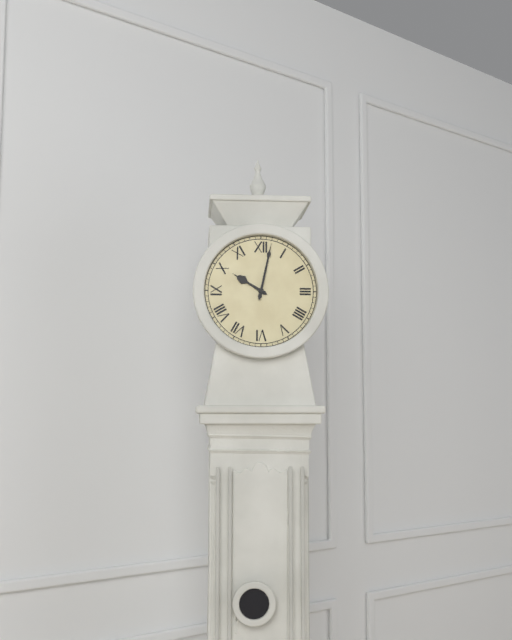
10h02
